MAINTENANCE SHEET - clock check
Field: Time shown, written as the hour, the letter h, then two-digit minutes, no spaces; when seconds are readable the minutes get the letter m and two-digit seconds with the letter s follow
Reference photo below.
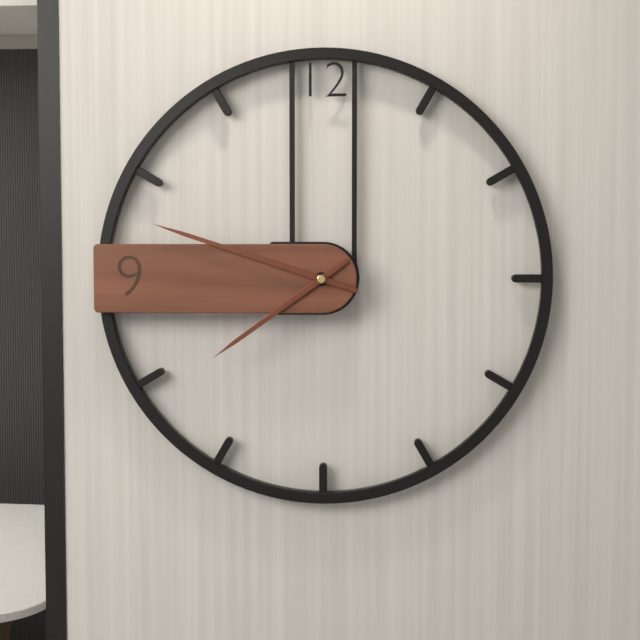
7h48
